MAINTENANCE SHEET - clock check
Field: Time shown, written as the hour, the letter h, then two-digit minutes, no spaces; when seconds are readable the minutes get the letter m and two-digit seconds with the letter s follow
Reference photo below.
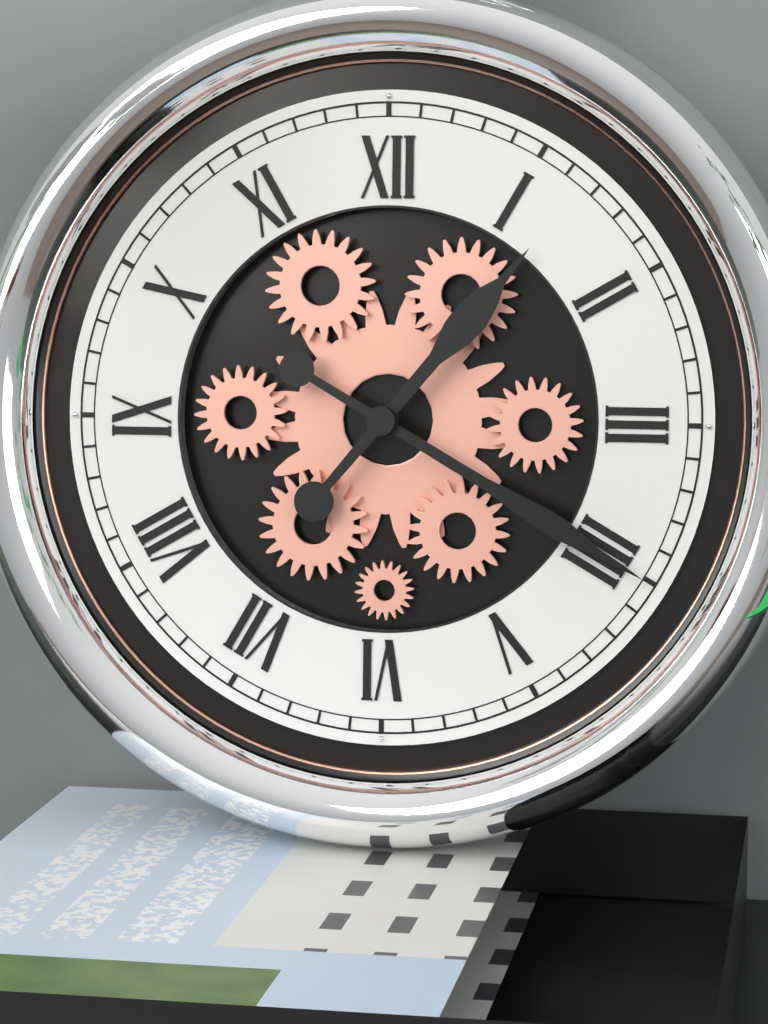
1h20
